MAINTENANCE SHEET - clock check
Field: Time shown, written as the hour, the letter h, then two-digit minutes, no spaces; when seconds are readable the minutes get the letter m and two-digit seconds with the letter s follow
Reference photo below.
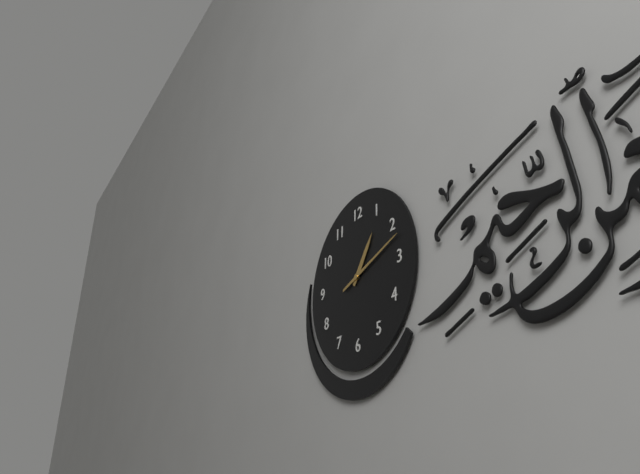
1h12
